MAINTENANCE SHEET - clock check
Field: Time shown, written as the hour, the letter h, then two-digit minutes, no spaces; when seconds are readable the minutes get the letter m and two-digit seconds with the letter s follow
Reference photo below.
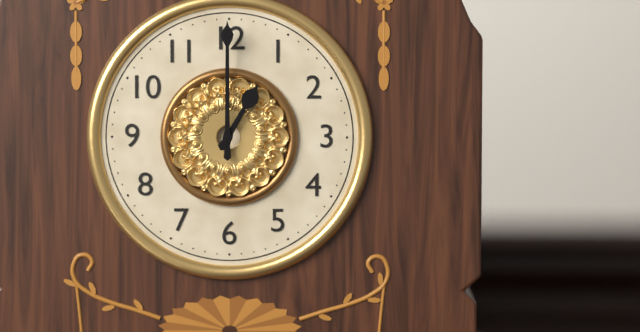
1h00
